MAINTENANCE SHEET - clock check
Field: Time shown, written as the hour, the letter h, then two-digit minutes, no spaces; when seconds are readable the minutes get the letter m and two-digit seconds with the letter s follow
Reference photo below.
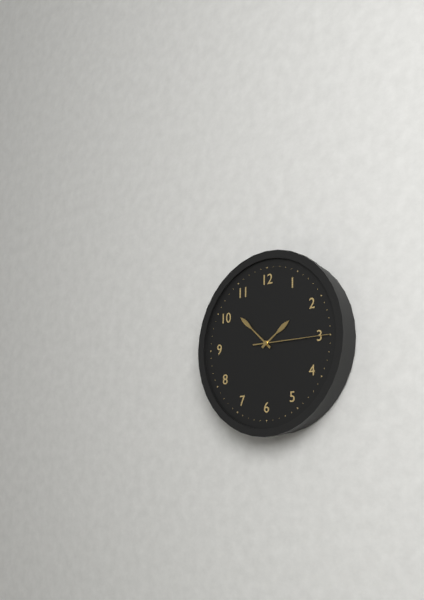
1h52m15s
